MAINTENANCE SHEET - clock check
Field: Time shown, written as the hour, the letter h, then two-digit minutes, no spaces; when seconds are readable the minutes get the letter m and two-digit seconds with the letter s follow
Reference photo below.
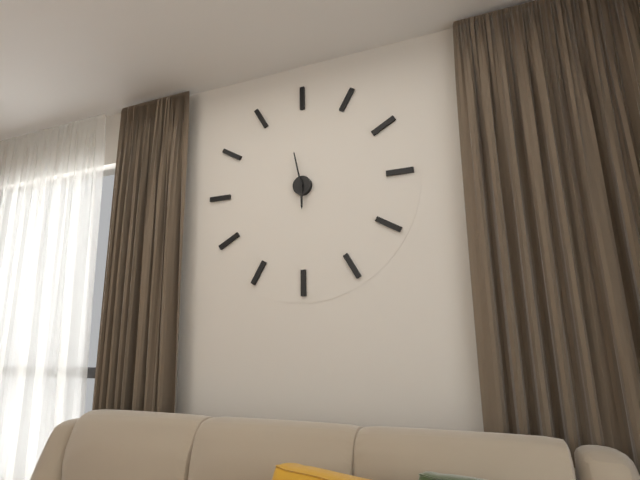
5h58
